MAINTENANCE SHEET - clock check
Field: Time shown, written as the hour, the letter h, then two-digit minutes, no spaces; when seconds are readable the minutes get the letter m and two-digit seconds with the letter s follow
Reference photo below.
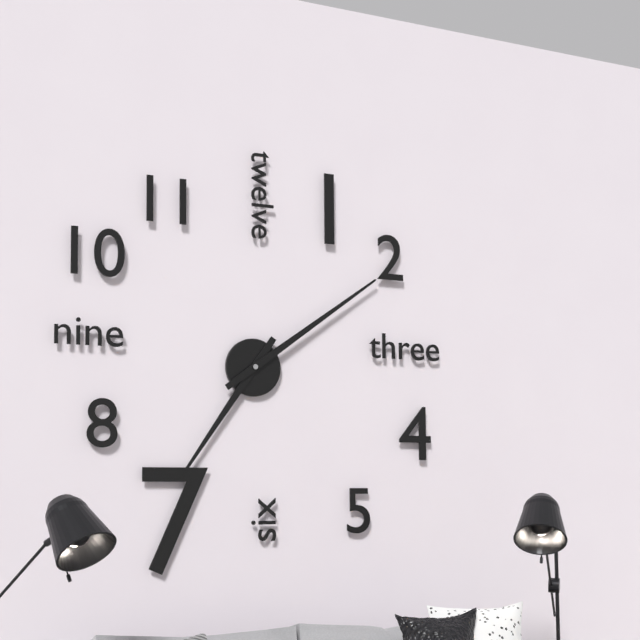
7h09
